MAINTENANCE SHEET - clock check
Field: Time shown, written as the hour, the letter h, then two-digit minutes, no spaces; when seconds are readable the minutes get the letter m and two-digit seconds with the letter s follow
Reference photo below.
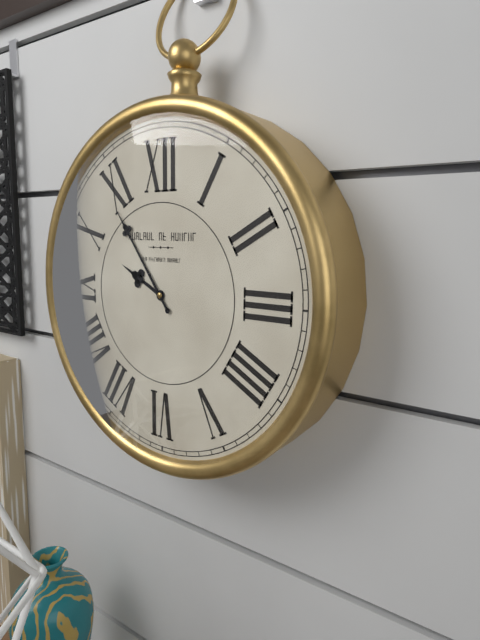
9h54
